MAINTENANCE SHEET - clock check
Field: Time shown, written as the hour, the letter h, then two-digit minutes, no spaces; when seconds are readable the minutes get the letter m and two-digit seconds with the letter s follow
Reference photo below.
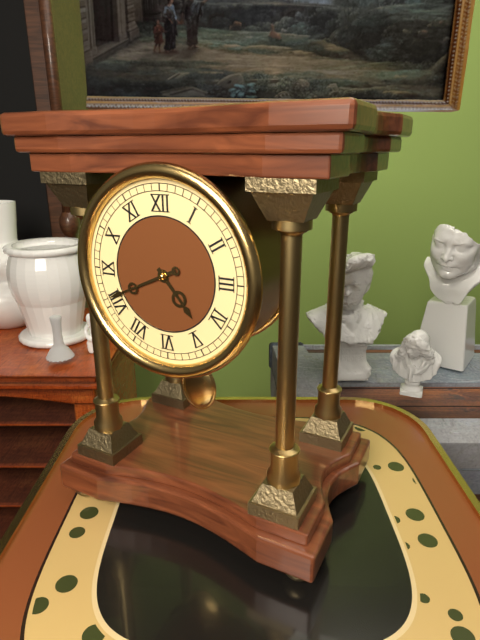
4h41
